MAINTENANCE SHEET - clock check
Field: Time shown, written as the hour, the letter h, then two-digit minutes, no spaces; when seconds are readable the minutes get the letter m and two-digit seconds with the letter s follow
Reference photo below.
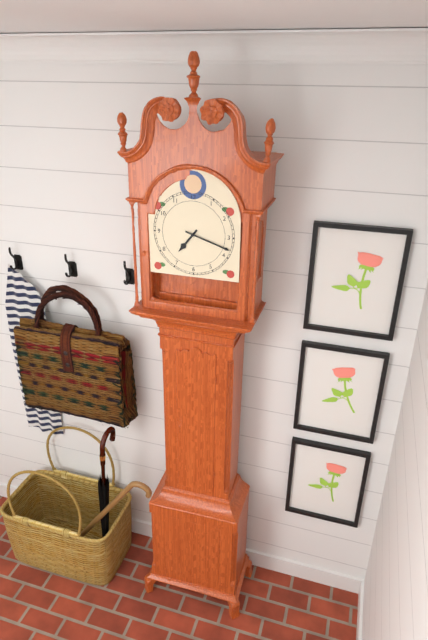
7h18
